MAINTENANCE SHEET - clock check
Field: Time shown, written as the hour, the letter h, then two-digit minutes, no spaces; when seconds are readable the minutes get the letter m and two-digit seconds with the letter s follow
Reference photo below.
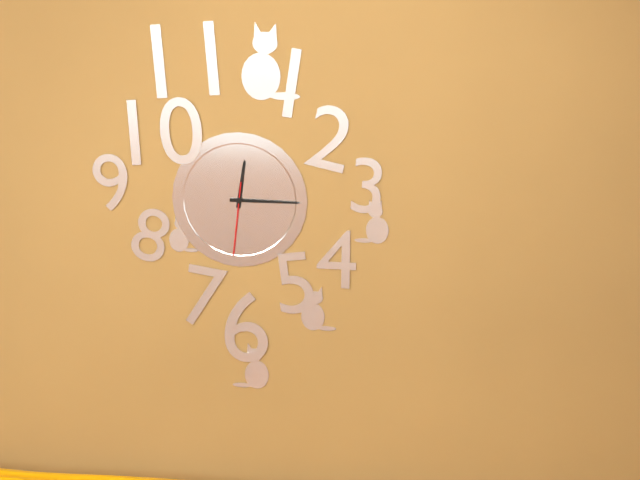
12h15m31s
